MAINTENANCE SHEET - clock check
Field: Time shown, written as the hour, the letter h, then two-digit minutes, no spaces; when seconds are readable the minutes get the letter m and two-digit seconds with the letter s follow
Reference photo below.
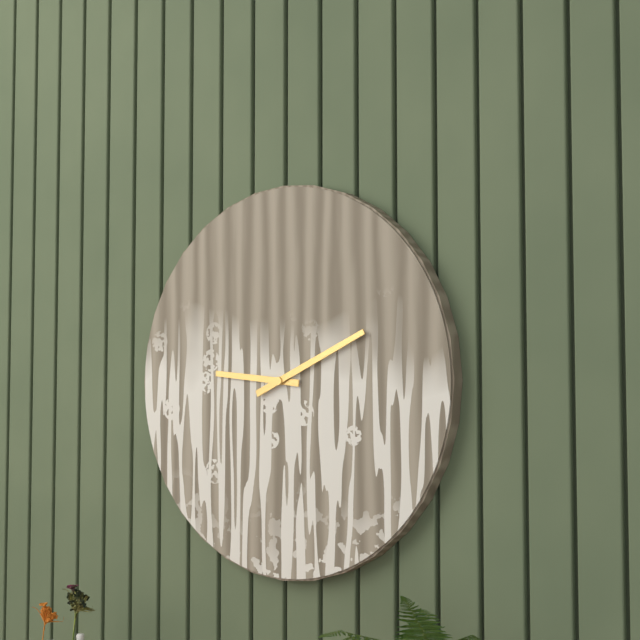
9h11
